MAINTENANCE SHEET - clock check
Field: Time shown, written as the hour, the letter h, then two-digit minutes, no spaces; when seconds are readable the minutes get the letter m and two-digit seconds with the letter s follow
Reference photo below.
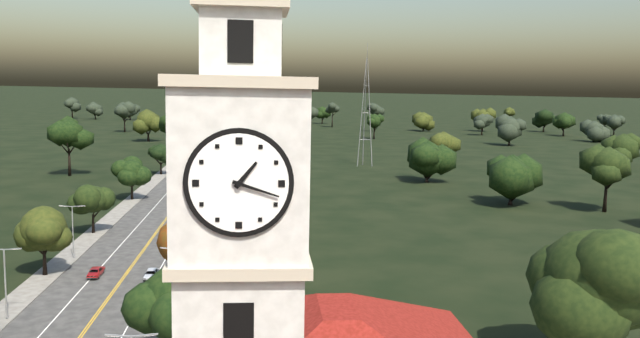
1h18
